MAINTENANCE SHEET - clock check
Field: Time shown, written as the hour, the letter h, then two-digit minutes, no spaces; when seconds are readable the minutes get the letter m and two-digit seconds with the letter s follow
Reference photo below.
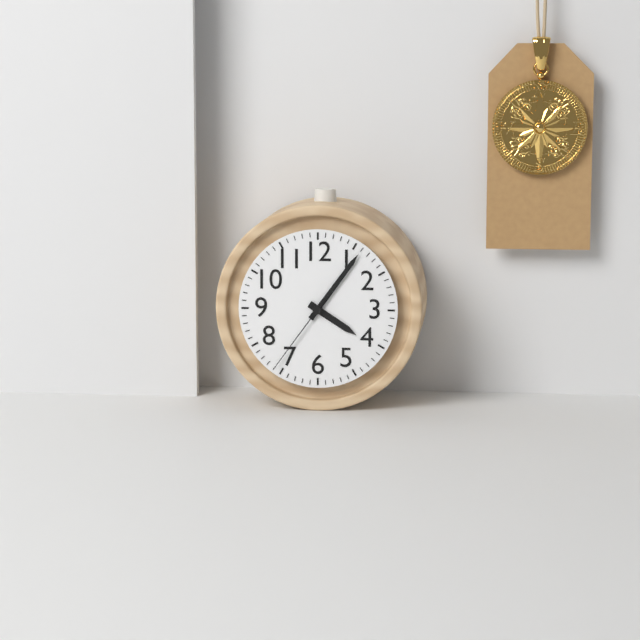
4h06m36s
